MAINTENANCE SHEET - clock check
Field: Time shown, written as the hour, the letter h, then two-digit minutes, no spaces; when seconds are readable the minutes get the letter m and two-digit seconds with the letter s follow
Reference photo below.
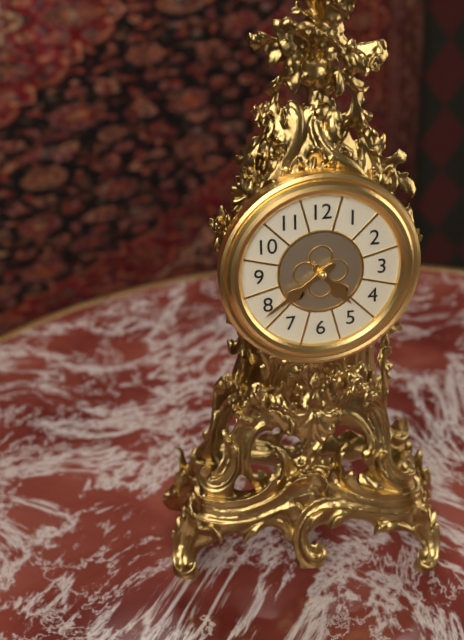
4h39
